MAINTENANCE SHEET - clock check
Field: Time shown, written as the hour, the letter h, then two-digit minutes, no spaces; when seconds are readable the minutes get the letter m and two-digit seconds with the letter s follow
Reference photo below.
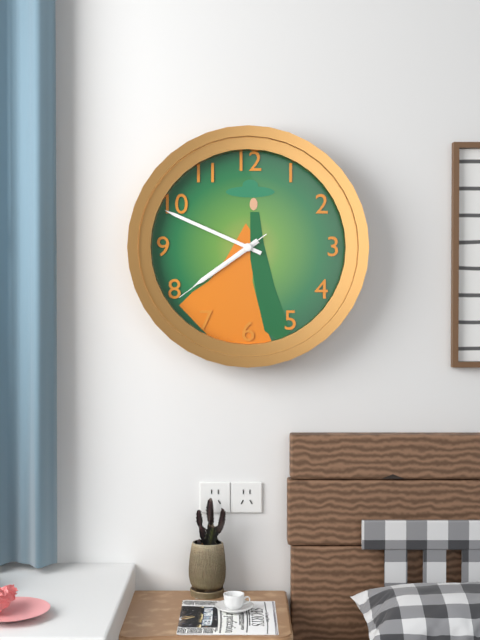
7h49m39s
